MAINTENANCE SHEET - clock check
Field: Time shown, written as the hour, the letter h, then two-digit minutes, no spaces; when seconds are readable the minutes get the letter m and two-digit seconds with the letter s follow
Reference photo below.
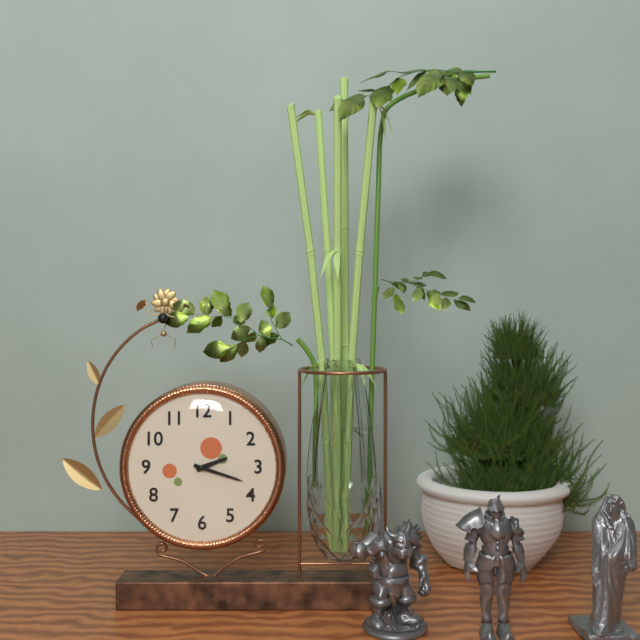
2h18
